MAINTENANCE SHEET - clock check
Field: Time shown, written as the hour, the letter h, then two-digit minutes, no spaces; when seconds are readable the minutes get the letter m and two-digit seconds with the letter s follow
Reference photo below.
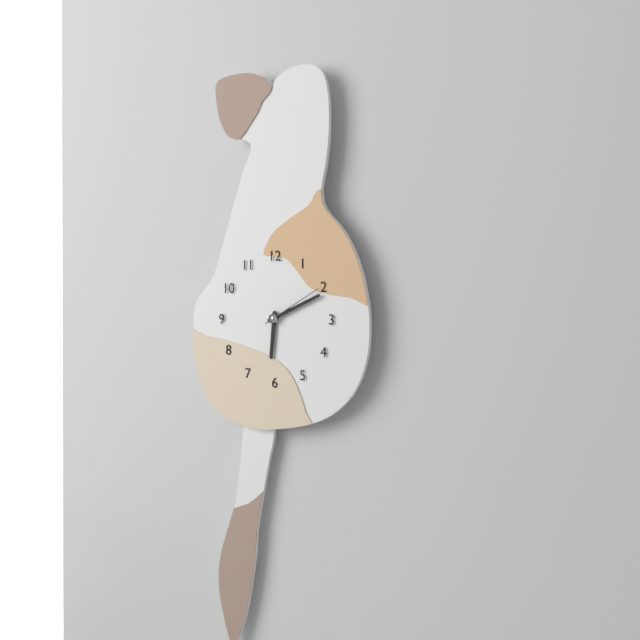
6h11m10s
